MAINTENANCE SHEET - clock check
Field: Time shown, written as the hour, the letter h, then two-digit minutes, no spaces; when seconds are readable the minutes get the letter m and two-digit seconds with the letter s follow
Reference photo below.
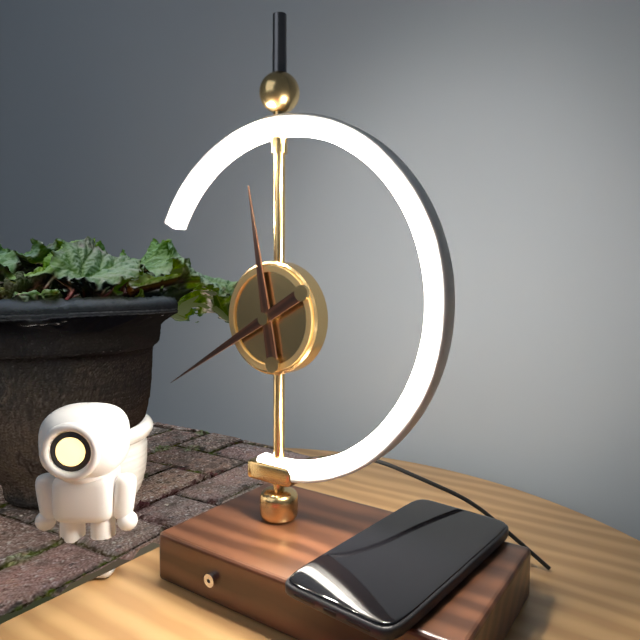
11h40
